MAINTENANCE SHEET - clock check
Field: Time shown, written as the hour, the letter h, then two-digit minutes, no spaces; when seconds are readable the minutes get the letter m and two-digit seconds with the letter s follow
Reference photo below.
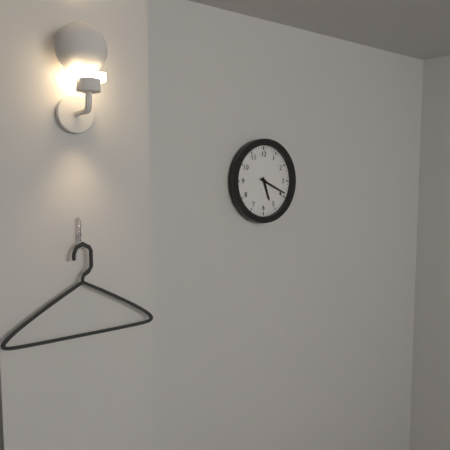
5h19
